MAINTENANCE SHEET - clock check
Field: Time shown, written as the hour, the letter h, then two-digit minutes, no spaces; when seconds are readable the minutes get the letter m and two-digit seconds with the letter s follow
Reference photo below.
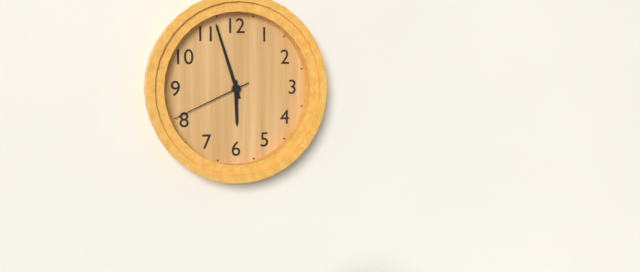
5h57m41s
